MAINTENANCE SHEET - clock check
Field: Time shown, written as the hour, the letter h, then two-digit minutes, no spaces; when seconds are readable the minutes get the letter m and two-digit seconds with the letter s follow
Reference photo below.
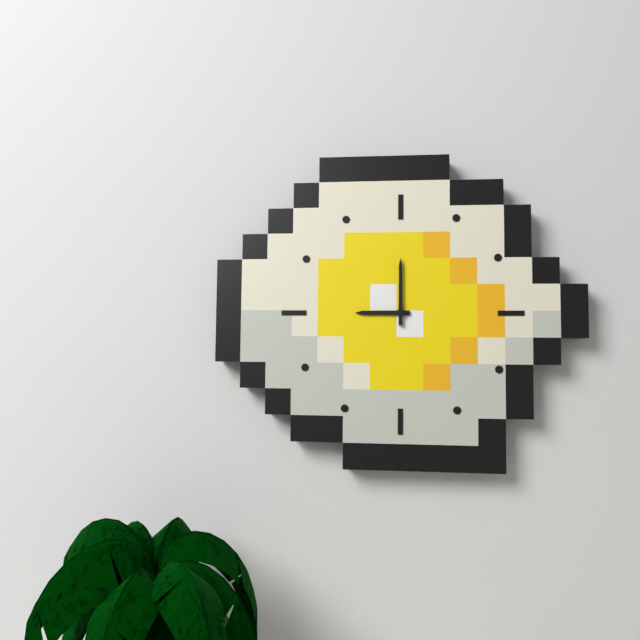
9h00
